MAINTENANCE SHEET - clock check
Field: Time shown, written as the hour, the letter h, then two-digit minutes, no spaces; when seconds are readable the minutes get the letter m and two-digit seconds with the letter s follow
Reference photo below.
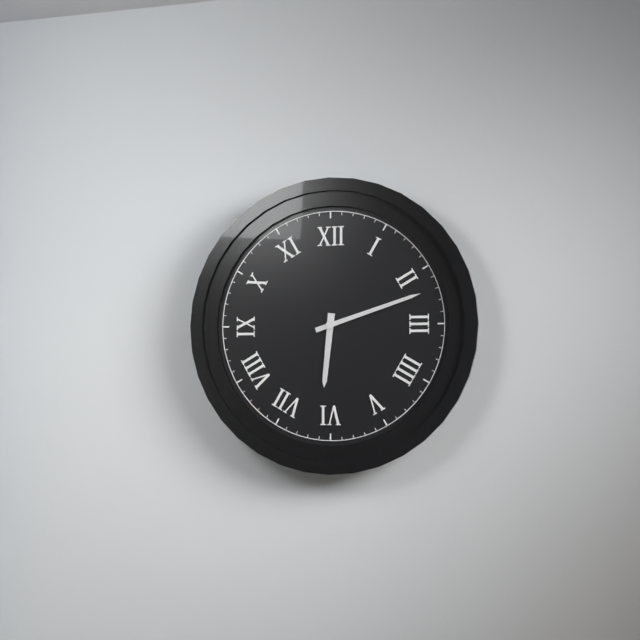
6h12
